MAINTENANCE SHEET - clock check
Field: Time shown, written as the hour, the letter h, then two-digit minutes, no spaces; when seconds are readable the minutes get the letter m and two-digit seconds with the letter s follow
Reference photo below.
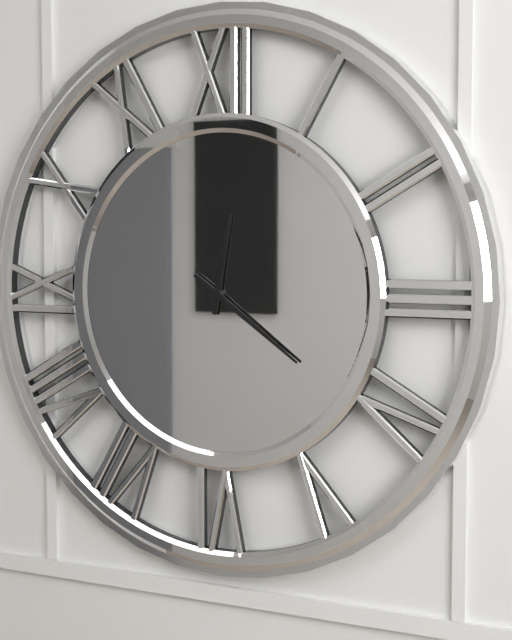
12h21
